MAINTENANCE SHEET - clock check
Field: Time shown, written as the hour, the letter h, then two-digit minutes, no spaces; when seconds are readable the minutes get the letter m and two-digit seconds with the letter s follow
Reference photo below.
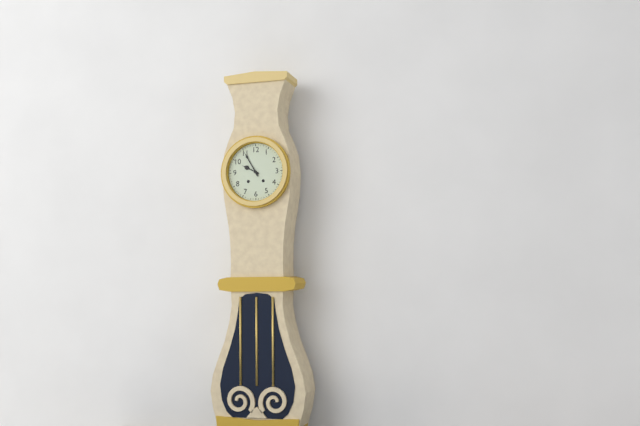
9h55
